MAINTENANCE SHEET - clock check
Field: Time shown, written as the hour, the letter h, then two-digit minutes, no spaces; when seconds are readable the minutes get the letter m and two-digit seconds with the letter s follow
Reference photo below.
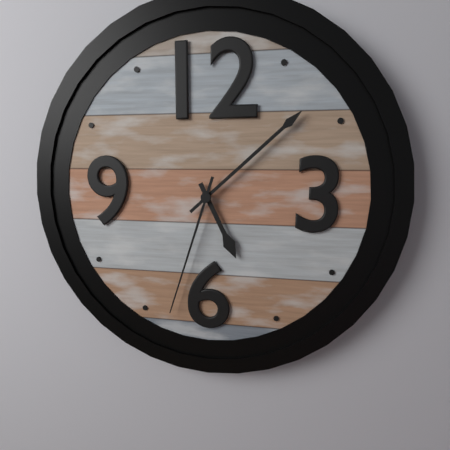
5h08m33s
